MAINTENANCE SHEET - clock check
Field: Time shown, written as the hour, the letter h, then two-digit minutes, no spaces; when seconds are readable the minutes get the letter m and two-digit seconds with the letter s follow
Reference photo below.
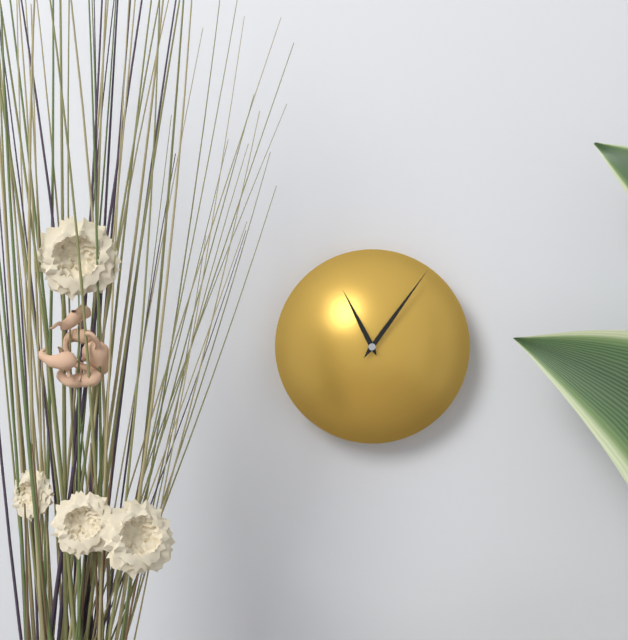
11h06
